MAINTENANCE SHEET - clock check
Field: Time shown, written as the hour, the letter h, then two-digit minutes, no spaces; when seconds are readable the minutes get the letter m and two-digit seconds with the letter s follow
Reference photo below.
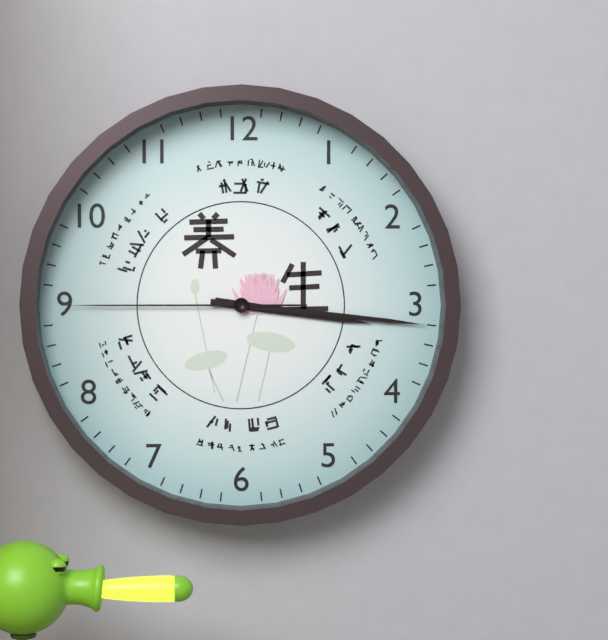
3h16m45s
